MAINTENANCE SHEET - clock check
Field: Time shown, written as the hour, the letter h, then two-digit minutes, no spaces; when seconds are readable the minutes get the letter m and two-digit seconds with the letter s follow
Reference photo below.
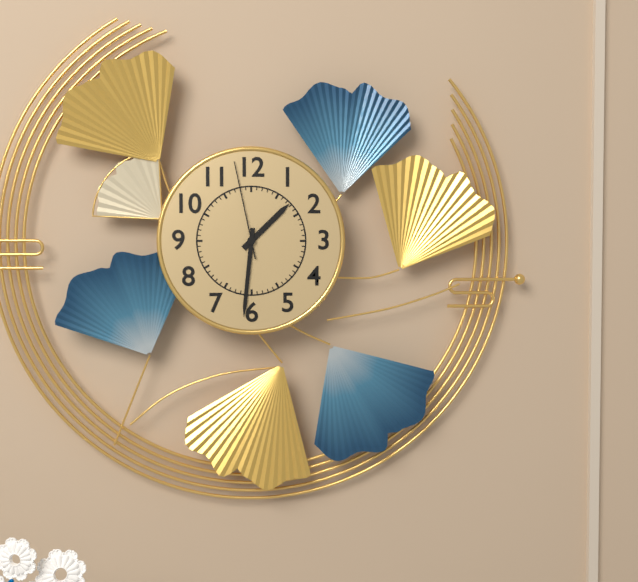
1h31m58s
